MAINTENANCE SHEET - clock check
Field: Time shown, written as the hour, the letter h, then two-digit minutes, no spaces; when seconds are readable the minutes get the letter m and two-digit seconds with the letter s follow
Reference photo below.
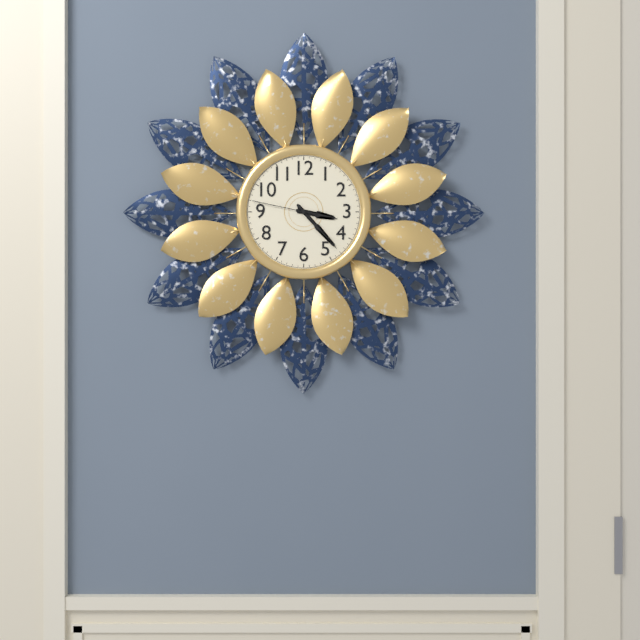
3h23m47s
